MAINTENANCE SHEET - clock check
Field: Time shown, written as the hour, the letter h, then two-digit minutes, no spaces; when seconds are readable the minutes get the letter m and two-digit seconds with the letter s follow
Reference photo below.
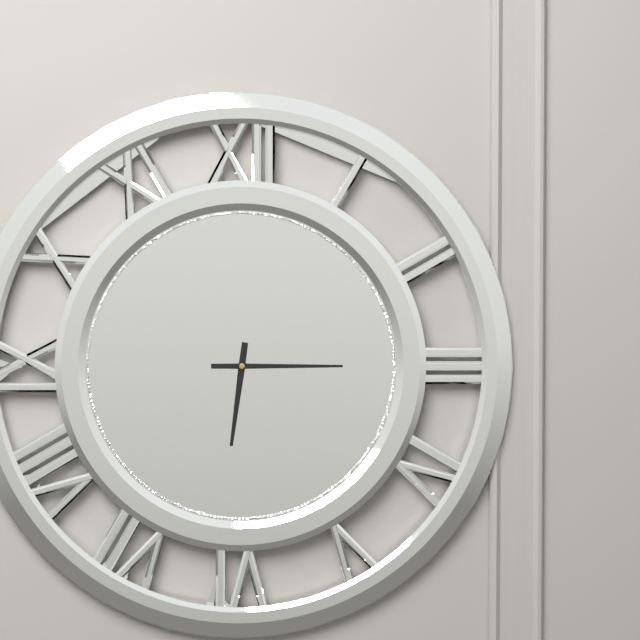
6h15
